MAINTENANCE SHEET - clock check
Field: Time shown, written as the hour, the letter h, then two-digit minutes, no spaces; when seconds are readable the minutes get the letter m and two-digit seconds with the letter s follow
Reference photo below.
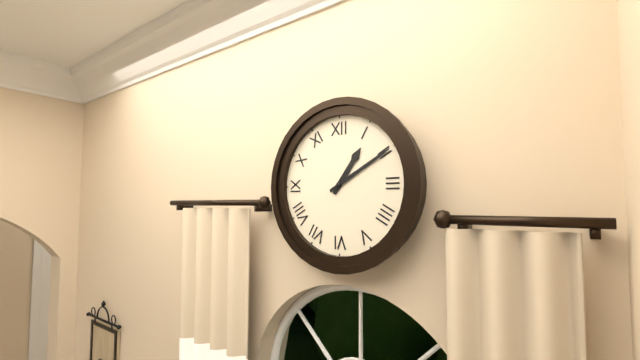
1h10
